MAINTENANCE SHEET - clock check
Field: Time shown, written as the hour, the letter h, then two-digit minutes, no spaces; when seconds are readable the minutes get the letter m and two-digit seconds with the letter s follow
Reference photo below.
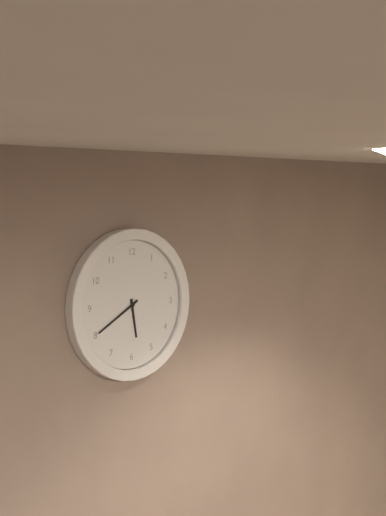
5h40
